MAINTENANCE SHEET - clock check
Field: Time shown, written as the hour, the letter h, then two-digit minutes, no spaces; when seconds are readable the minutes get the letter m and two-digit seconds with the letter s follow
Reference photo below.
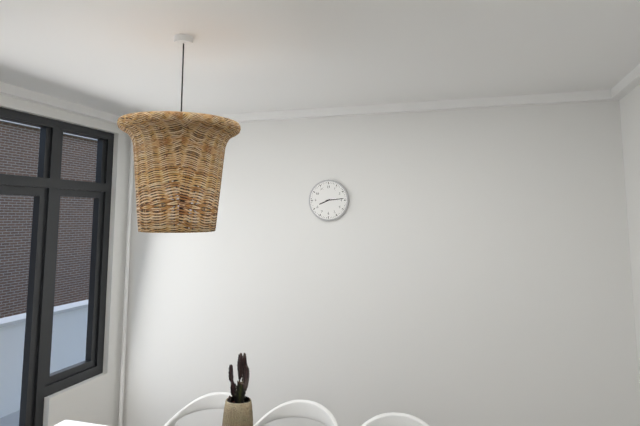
8h14
